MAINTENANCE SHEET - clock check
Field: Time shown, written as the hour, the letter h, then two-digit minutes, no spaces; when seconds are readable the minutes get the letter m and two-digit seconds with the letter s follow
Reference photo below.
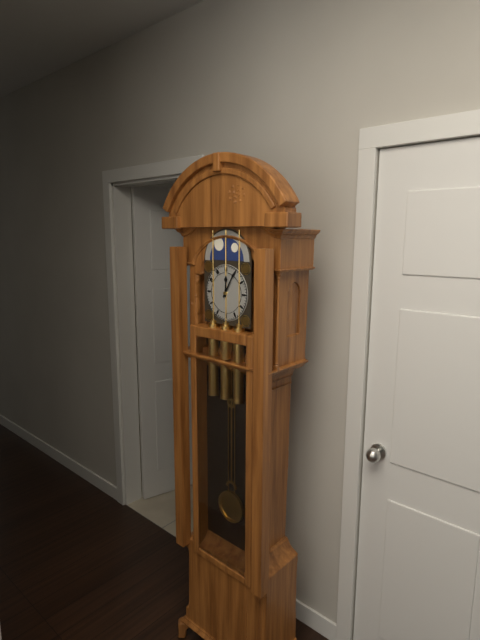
12h05
